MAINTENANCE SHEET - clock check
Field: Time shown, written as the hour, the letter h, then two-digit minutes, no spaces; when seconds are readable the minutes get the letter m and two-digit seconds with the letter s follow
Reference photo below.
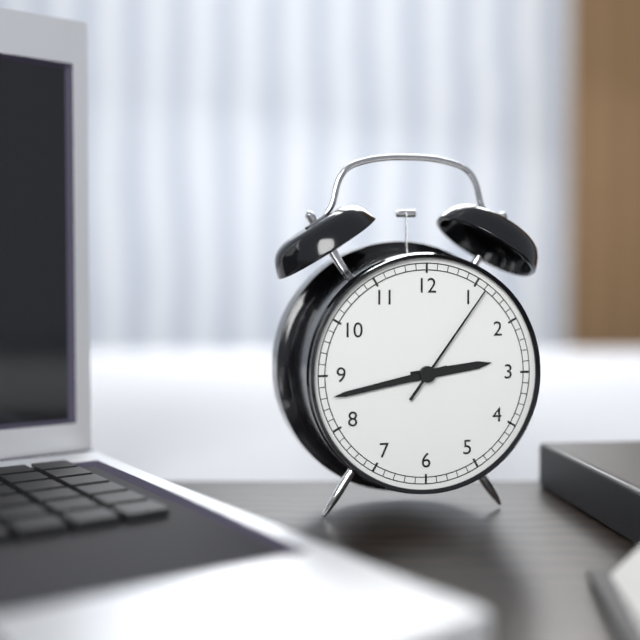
2h43m06s
